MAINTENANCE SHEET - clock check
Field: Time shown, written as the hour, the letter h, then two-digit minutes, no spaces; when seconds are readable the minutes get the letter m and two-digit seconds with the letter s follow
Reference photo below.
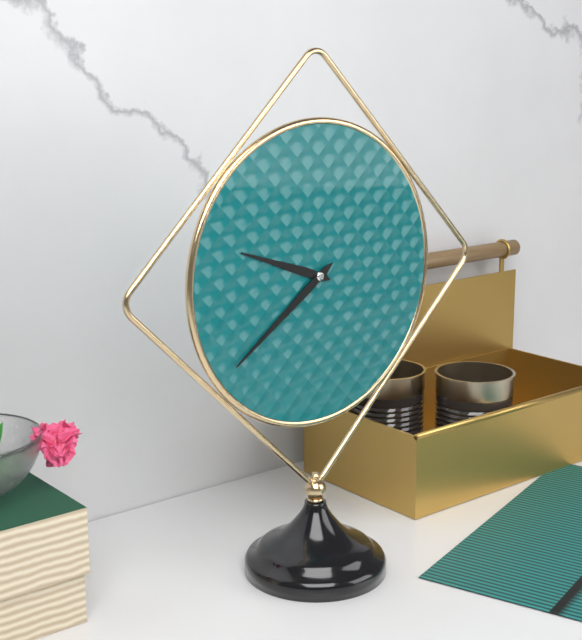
9h39
